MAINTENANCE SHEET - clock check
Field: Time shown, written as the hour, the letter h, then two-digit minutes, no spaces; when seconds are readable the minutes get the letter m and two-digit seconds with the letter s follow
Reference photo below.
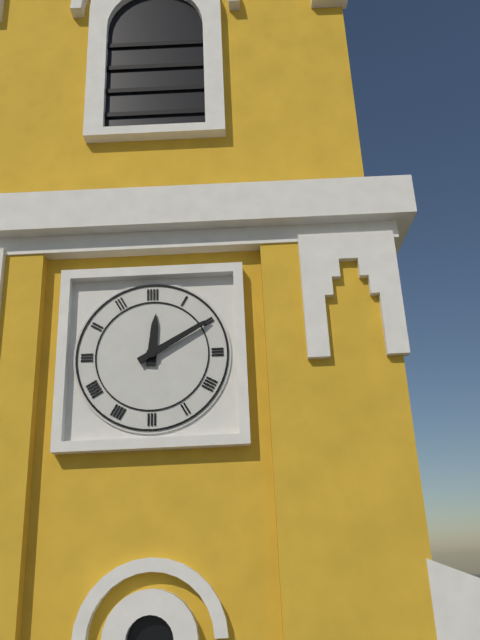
12h10
